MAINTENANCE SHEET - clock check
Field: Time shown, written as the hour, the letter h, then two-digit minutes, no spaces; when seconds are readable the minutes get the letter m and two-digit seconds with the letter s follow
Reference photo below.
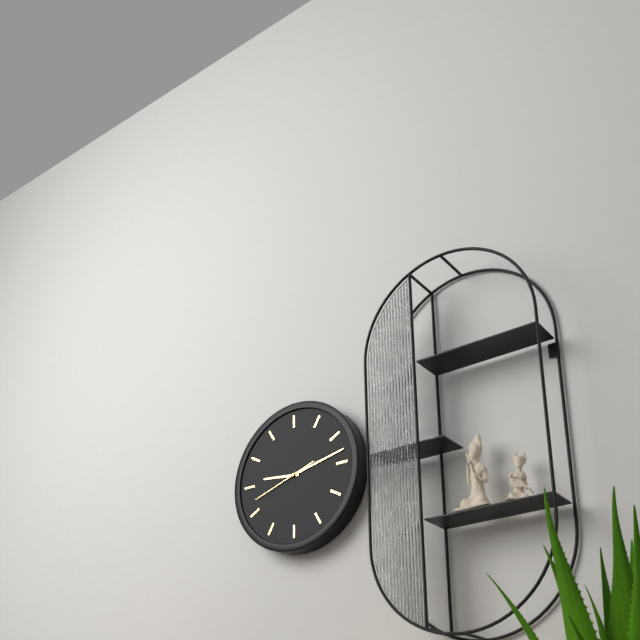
9h13m42s
